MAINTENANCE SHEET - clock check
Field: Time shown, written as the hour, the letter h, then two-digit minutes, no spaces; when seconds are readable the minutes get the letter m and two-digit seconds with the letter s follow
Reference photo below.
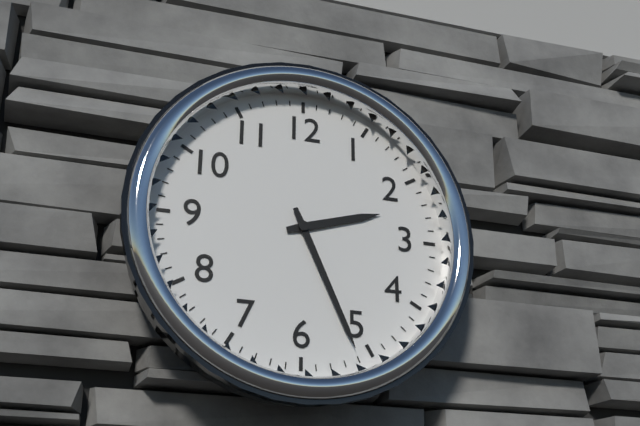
2h26
